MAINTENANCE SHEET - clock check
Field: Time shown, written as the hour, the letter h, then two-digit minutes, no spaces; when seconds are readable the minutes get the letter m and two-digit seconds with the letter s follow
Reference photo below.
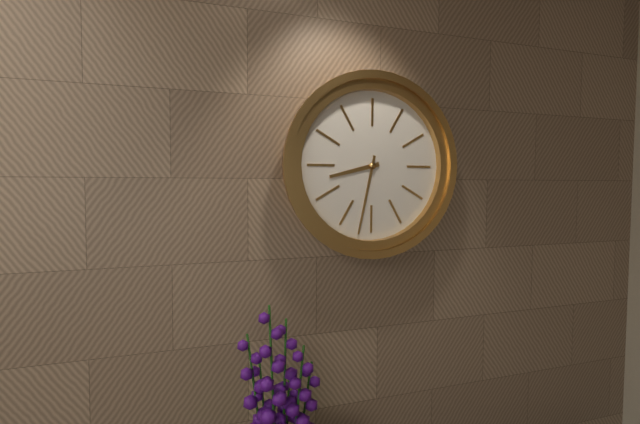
8h32
